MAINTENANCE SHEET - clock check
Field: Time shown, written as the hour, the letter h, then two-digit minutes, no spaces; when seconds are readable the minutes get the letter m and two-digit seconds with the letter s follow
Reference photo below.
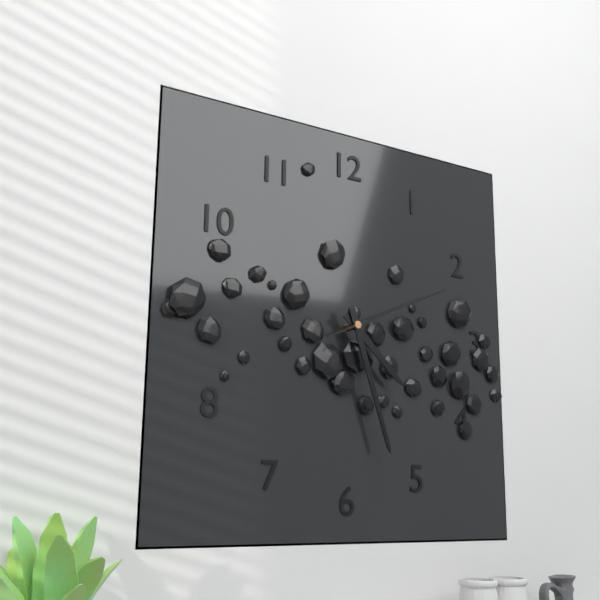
4h27m11s
